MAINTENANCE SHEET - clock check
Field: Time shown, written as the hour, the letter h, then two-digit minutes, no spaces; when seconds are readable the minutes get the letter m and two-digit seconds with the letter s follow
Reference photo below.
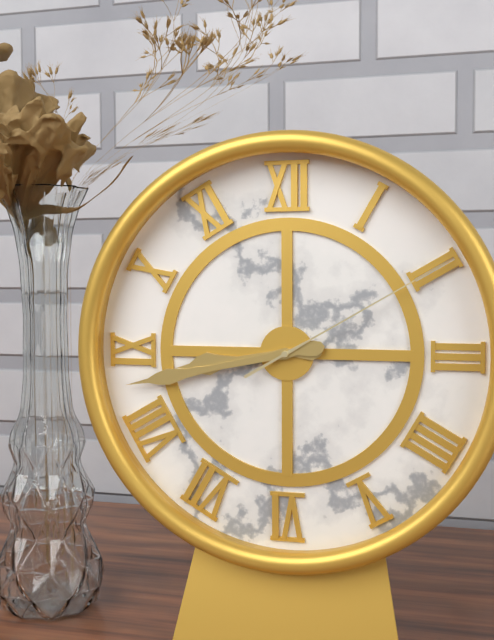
8h43m10s
